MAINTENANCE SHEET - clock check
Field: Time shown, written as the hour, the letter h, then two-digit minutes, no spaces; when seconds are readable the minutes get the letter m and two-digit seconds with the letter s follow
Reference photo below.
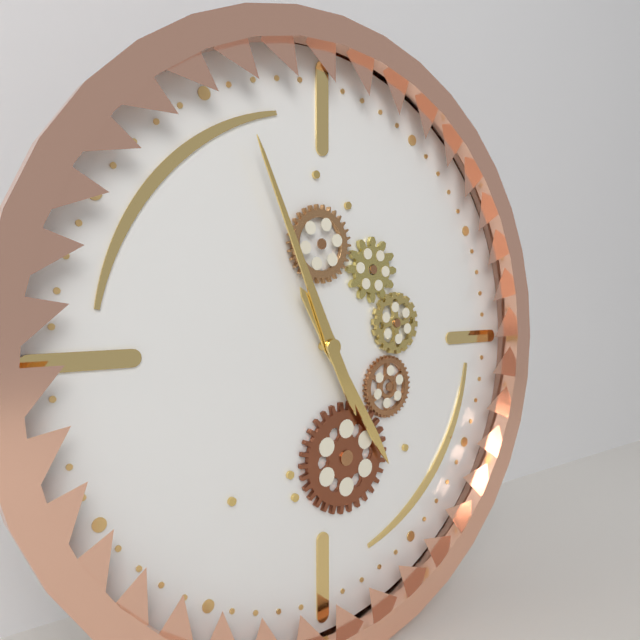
4h56
